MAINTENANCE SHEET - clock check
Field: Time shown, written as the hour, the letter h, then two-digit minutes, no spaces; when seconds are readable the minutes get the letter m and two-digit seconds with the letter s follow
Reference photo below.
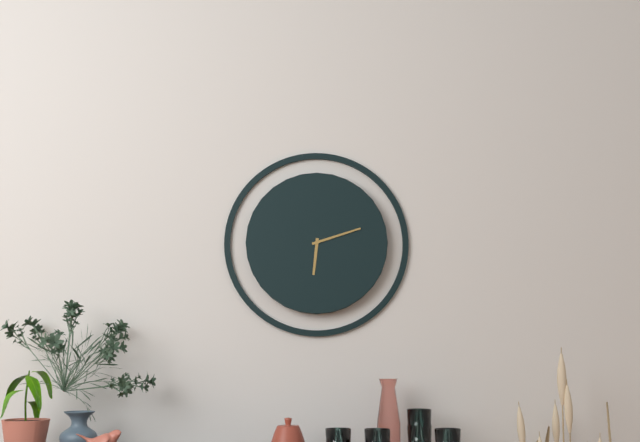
6h12
